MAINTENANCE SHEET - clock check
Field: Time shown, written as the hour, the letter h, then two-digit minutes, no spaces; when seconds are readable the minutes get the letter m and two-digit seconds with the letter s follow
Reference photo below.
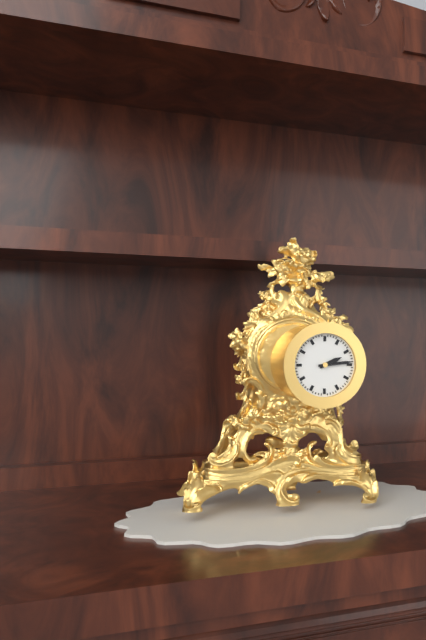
2h14
